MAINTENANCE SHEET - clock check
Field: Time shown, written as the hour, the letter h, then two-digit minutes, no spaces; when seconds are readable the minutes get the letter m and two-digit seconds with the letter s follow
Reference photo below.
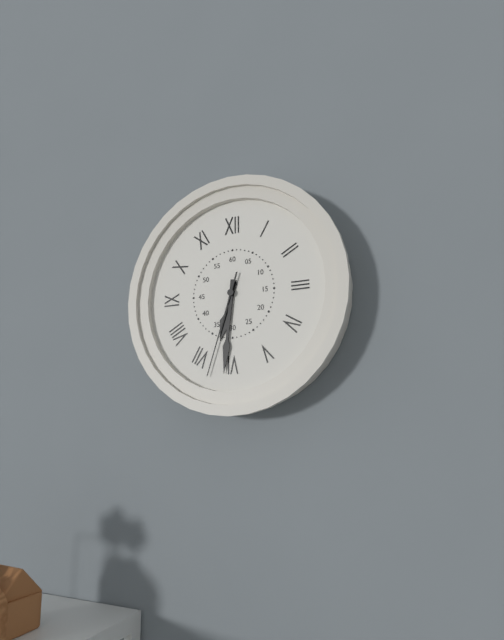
6h31m33s
